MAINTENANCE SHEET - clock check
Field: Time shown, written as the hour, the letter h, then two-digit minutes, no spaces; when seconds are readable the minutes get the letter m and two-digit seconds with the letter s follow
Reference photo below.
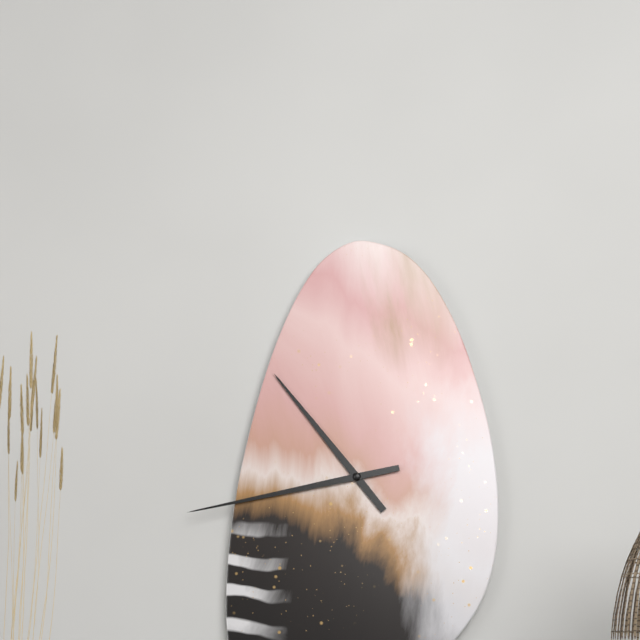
10h43
